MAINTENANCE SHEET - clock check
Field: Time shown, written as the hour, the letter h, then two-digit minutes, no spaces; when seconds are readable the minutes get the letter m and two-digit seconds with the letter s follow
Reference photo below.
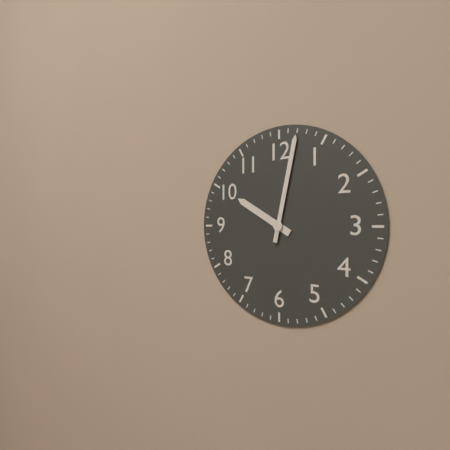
10h02
